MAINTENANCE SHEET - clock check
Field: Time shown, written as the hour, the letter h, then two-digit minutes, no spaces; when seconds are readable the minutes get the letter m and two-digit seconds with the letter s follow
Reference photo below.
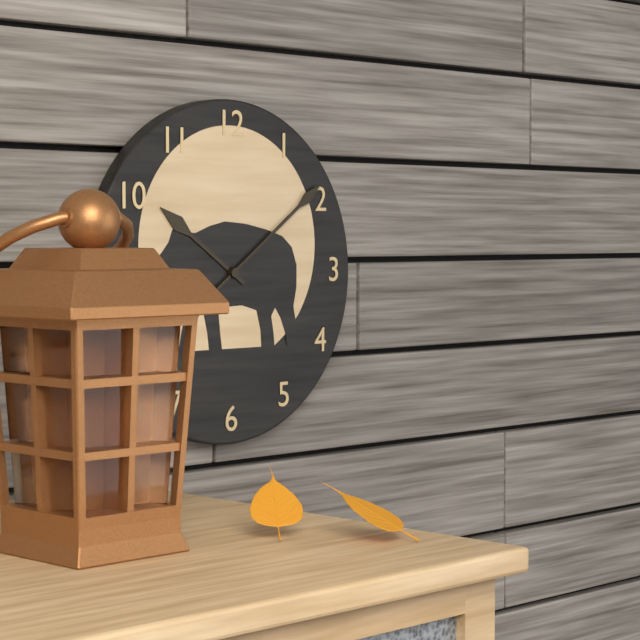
10h09
